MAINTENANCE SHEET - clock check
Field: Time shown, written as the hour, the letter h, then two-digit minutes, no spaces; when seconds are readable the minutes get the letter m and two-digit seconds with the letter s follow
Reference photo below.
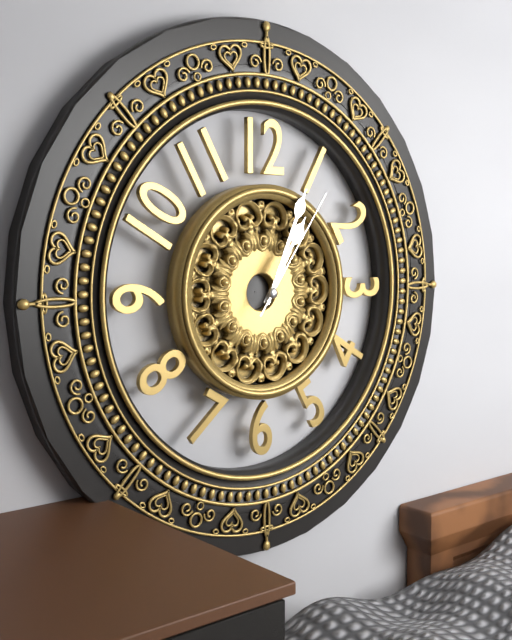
1h04m06s
